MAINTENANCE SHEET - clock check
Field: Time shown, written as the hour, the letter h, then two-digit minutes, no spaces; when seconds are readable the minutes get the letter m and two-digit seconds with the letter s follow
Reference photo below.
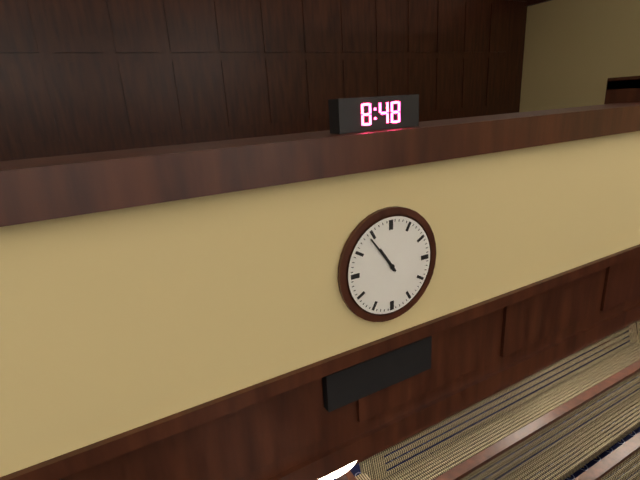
10h54
